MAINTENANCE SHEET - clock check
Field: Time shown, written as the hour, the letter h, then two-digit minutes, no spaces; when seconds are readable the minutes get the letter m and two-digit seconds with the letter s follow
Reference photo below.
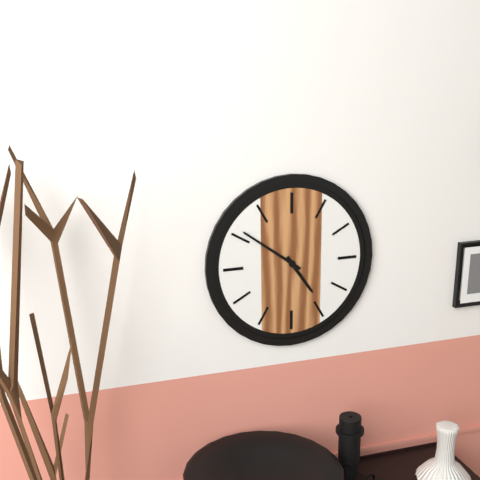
4h51
